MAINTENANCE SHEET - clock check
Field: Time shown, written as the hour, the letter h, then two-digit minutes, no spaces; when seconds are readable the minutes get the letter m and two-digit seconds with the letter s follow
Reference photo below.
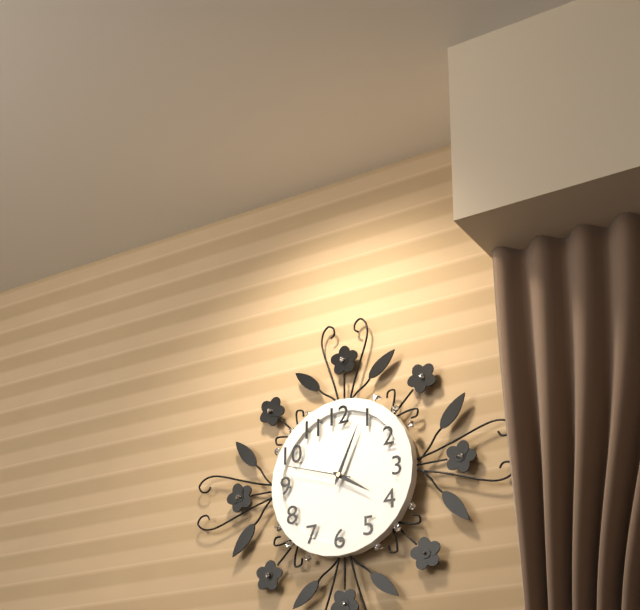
4h04m48s
